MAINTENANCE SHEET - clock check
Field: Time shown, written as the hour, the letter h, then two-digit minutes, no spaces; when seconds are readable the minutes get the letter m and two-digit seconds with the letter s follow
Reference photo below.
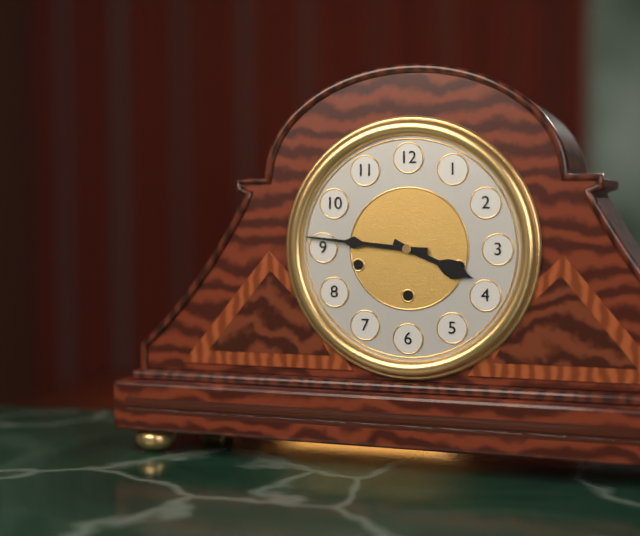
3h46
